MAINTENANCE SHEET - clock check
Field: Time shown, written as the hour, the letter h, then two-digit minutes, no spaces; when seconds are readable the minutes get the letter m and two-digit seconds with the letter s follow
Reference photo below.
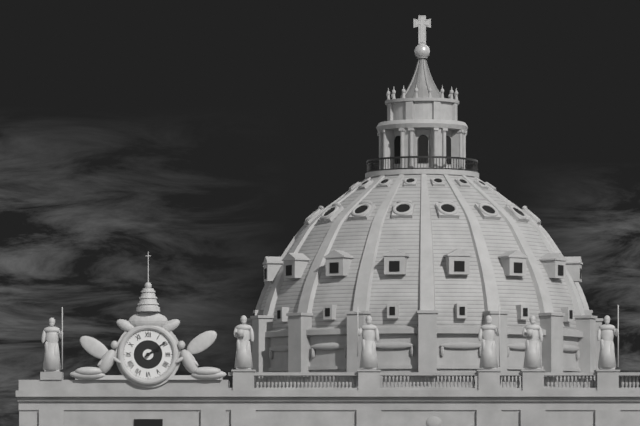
2h09
